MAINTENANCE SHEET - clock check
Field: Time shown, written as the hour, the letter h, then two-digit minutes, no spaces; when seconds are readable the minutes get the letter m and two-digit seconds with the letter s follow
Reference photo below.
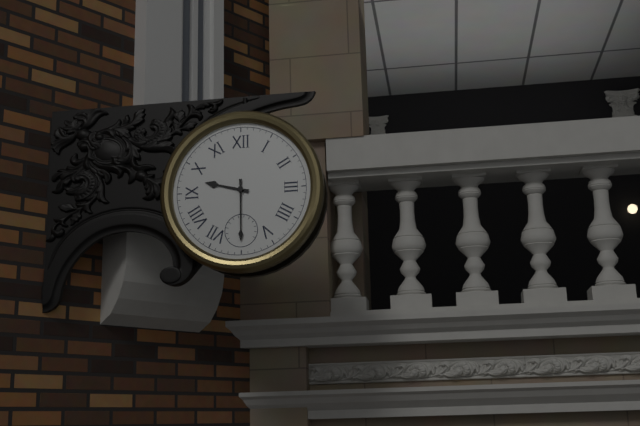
9h30
